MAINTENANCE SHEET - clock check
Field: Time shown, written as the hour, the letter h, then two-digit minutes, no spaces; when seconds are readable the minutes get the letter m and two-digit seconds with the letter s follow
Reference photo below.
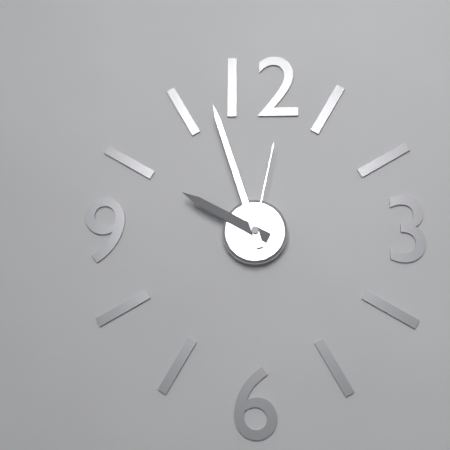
9h57m02s
